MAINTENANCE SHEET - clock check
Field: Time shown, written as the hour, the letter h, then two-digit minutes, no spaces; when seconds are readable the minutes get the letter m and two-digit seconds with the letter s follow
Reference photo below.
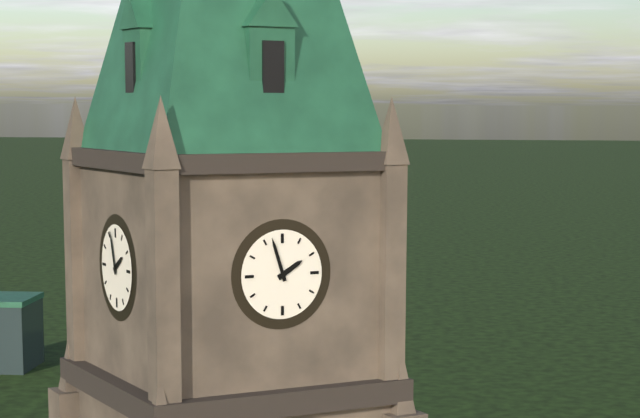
1h57
